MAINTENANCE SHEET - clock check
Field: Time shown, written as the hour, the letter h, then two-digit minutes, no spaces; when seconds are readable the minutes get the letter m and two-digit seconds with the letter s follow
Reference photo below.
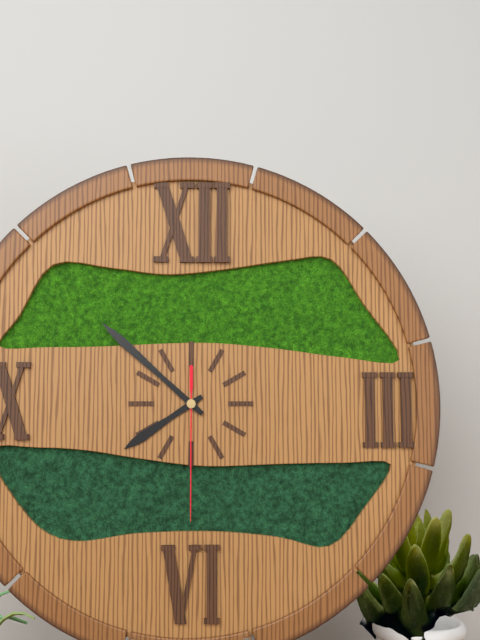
7h52m30s
